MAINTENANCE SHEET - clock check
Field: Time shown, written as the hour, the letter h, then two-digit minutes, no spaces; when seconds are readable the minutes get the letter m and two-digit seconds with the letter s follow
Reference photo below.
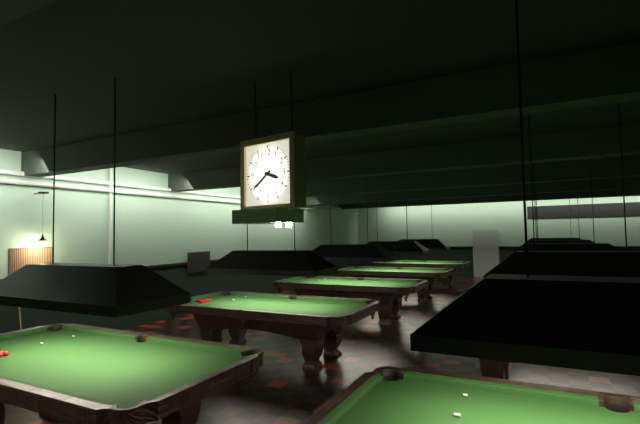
3h39
